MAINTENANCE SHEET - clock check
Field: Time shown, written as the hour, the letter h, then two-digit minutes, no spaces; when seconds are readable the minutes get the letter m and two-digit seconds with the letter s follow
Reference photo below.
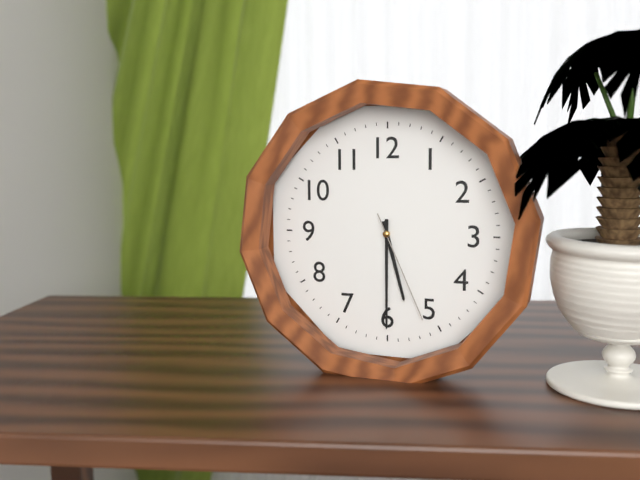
5h30m26s
